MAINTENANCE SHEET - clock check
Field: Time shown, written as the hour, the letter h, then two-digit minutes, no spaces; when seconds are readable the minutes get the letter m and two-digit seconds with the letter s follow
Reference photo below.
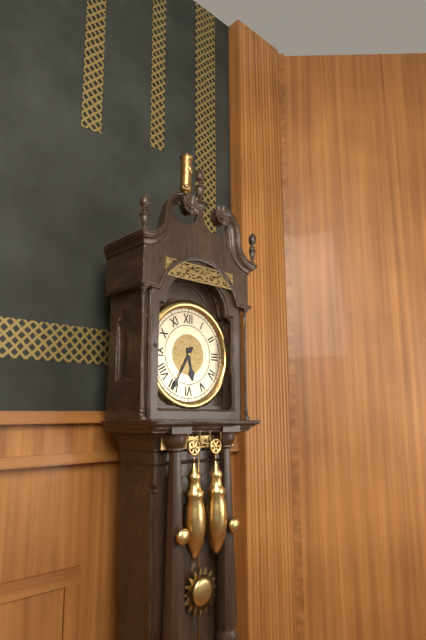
5h35
